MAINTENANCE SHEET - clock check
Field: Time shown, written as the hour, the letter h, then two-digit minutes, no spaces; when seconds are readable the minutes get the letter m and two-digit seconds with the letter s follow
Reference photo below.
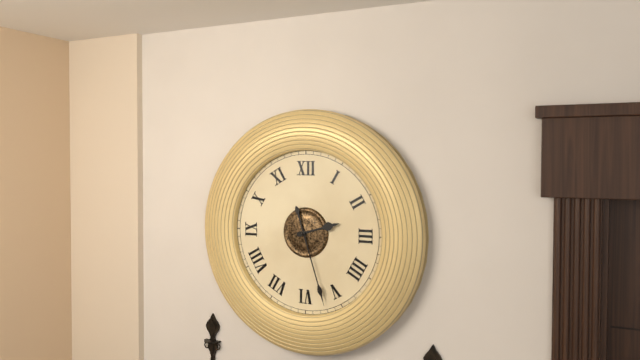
2h27
